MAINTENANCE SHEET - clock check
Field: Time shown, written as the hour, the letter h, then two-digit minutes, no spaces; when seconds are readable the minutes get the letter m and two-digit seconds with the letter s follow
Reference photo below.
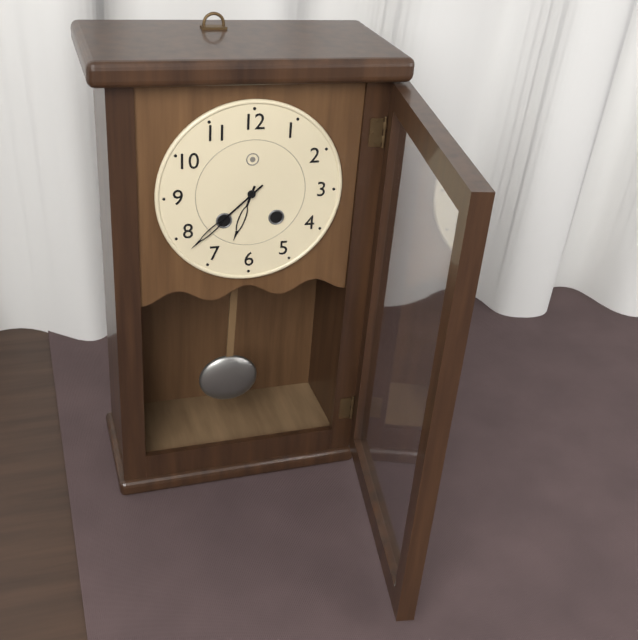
6h38
